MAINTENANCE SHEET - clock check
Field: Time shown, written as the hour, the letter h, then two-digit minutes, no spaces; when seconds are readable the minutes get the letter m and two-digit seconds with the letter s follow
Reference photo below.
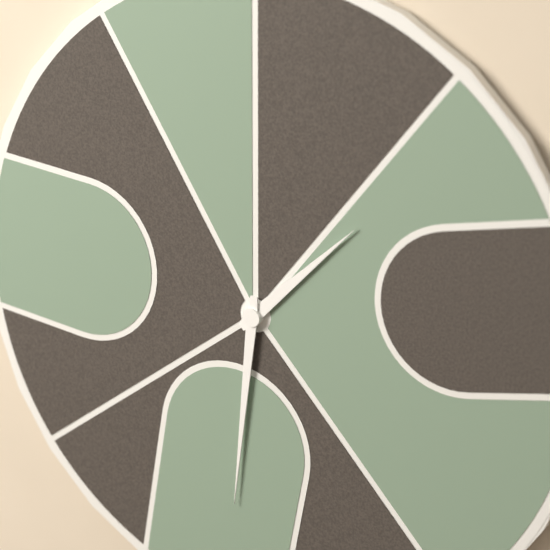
1h31
